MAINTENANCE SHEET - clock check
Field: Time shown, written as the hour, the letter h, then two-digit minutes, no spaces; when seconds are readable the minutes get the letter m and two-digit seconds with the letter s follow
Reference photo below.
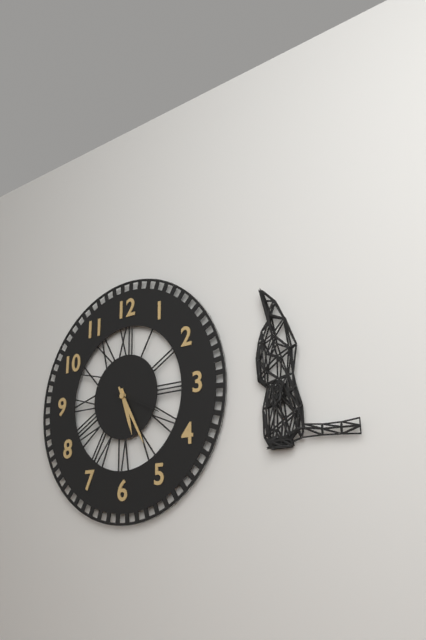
5h25
